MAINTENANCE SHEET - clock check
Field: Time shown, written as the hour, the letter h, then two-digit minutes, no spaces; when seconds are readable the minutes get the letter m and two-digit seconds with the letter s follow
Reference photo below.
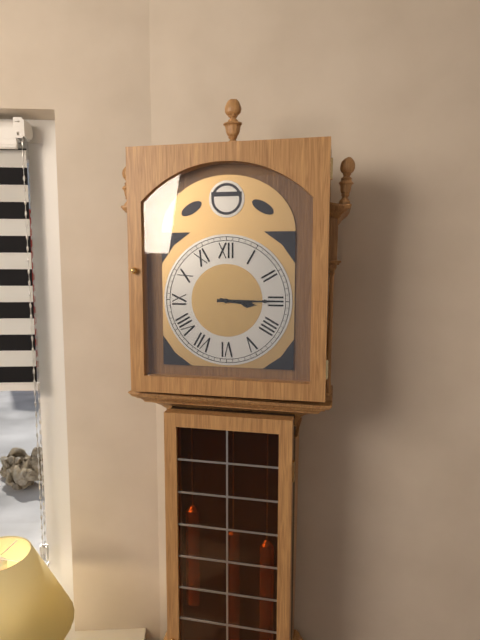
3h15
